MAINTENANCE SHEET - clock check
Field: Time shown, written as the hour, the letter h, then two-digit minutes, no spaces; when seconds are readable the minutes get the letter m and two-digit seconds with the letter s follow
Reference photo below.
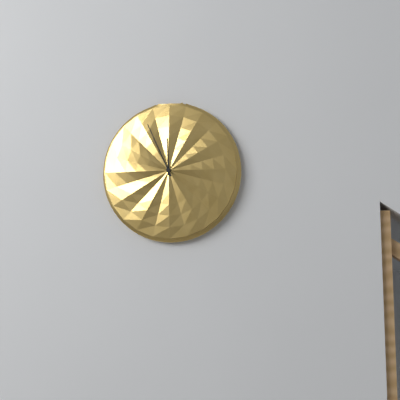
11h56
